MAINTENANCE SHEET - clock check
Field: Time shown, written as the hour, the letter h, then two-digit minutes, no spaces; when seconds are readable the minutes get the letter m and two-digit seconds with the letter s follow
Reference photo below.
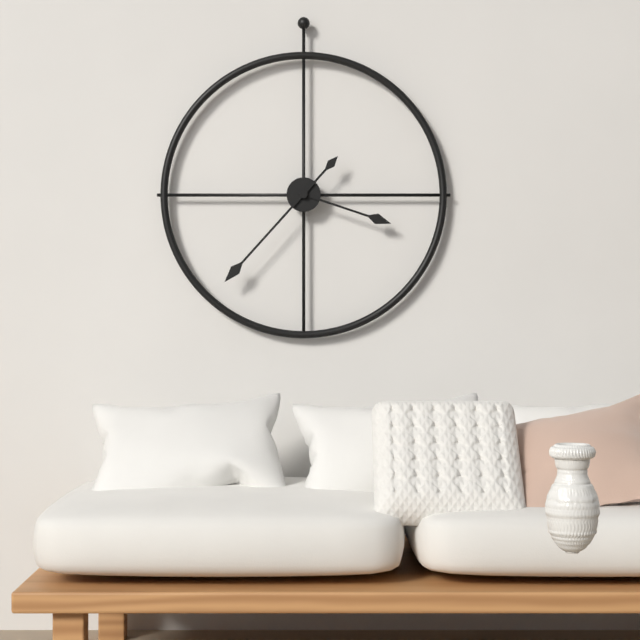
3h37
